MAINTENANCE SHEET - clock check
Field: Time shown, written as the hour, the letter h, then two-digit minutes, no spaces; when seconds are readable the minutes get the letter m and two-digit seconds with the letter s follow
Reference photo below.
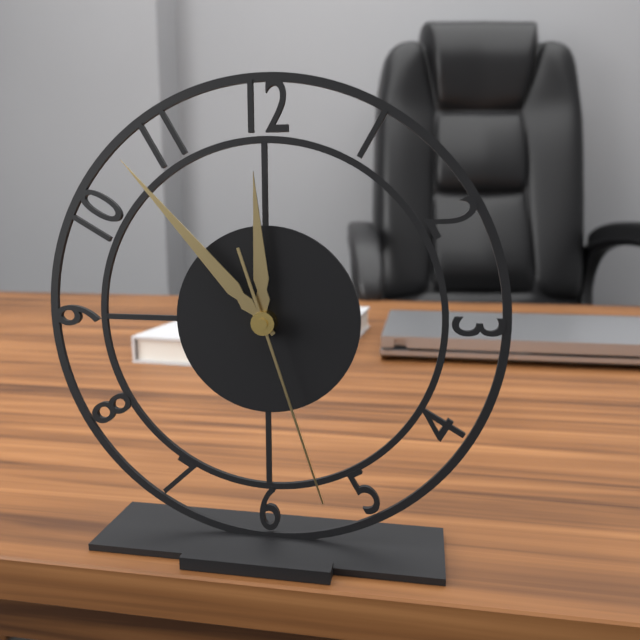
11h53m27s
